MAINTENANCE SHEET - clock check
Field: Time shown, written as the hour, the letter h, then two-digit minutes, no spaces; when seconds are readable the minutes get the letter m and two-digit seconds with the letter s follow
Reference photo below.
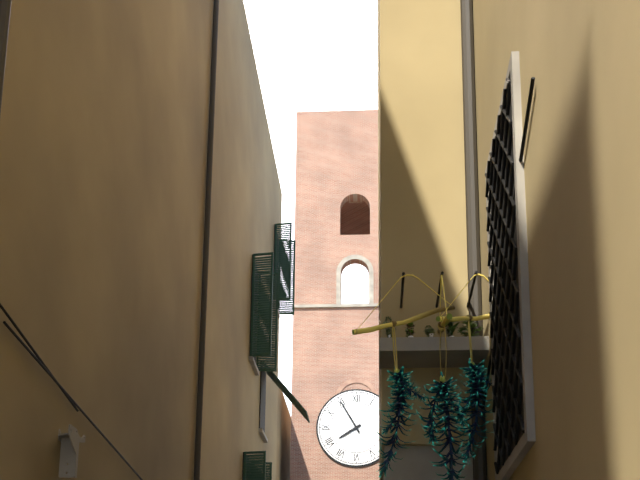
7h55
